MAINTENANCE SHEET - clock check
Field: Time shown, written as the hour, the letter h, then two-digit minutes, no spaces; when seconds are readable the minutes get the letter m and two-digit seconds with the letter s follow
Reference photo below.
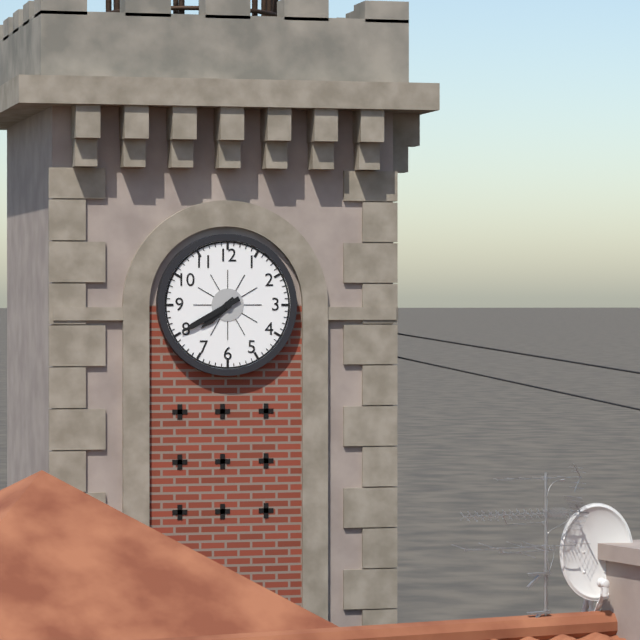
7h40
